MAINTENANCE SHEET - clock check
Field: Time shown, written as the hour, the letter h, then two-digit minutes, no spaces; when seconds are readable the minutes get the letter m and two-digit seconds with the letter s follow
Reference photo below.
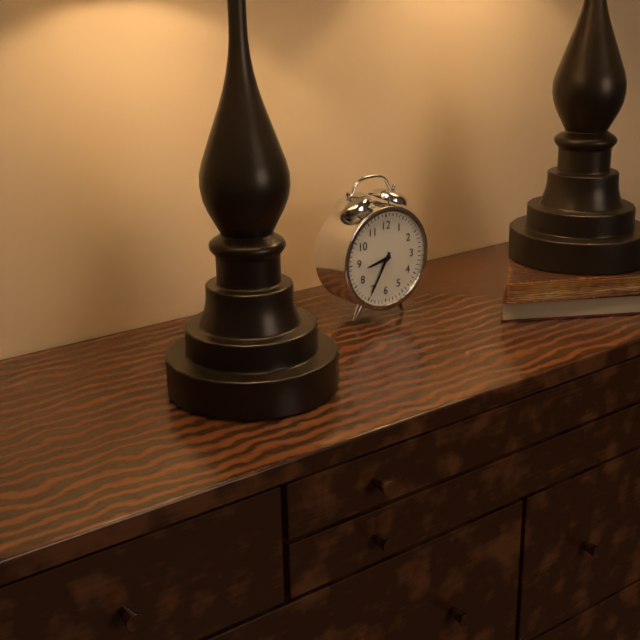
8h35
